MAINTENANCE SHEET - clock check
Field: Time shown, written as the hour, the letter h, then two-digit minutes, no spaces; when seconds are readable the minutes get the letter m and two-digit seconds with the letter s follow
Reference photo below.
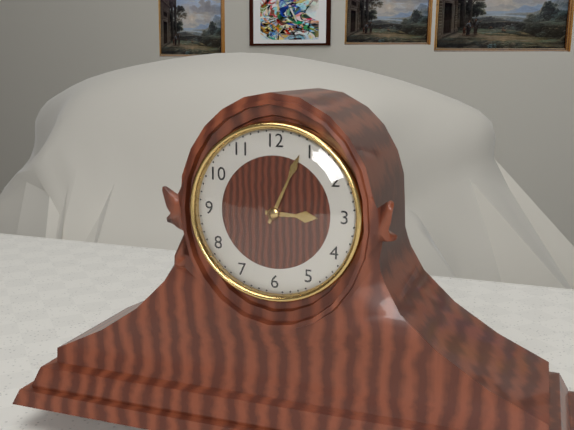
3h04
